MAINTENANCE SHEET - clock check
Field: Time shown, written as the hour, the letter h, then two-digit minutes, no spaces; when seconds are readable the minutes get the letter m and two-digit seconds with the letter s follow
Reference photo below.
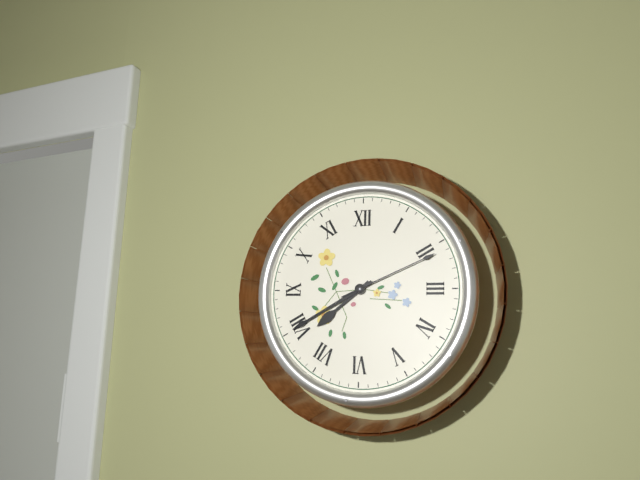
7h40m11s
